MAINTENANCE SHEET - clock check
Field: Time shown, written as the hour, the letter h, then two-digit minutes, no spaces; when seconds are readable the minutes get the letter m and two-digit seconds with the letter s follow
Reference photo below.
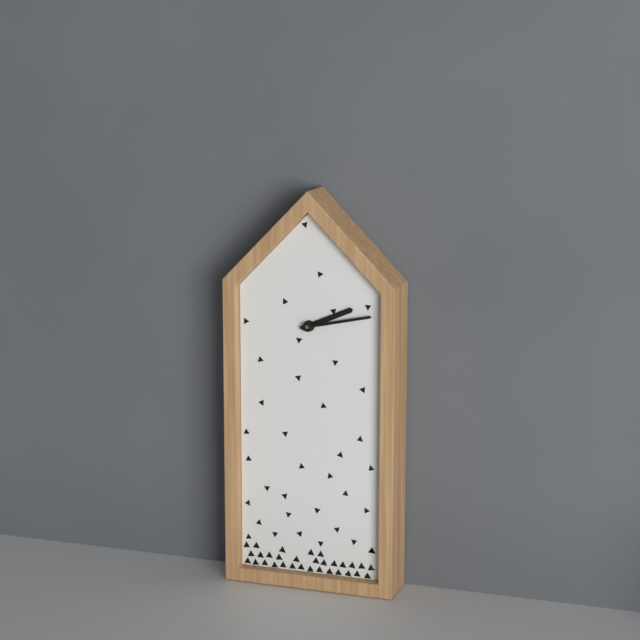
2h13
